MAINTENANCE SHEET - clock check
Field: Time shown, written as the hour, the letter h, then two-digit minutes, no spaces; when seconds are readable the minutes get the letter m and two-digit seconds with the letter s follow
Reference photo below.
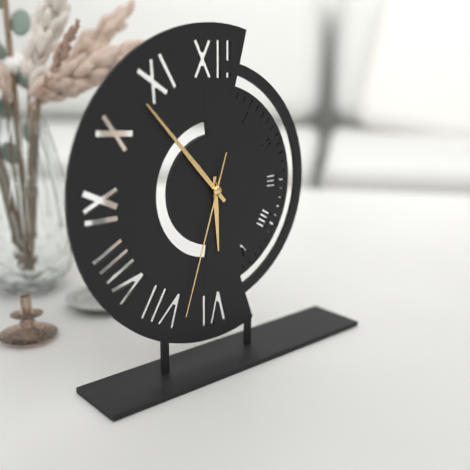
5h53m33s
